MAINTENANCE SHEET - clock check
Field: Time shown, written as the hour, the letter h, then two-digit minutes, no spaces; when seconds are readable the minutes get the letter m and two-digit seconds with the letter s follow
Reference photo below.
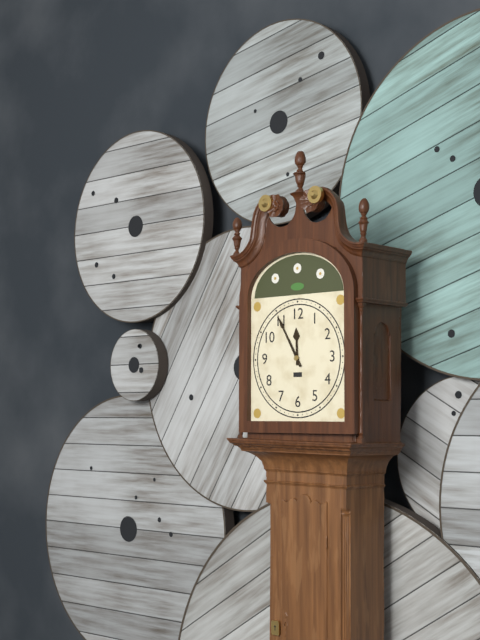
11h55
